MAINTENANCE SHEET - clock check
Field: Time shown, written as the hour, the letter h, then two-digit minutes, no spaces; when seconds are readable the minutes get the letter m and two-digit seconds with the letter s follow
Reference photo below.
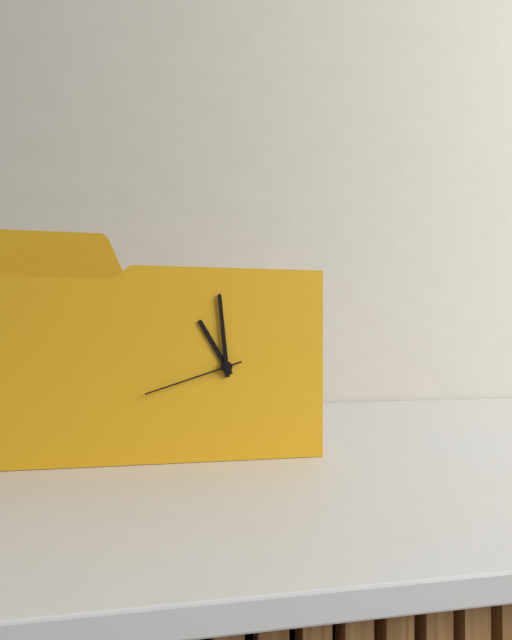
10h59m42s
